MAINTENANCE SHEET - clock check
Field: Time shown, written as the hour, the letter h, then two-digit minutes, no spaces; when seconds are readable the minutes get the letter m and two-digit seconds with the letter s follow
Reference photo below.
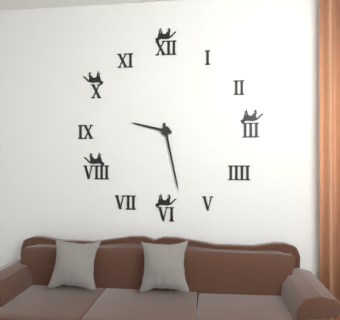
9h28
